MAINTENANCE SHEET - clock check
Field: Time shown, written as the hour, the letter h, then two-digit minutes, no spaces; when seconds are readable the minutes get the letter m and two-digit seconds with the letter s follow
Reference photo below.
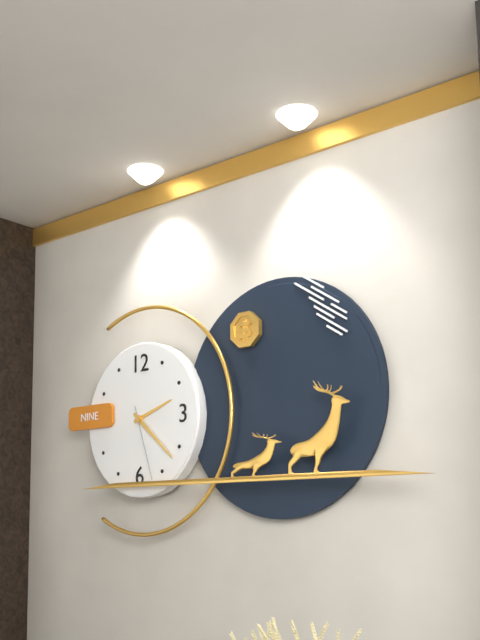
2h22m27s
